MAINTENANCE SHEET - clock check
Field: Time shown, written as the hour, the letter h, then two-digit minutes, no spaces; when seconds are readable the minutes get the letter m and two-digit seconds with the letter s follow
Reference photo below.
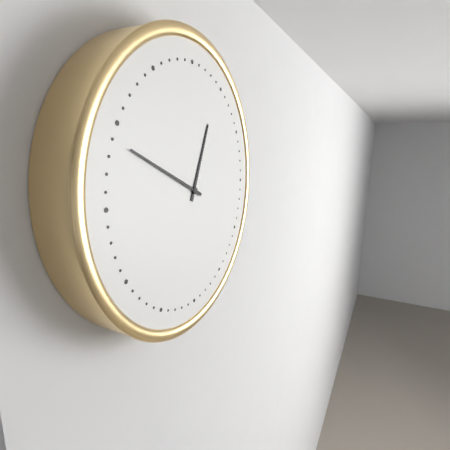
12h49
